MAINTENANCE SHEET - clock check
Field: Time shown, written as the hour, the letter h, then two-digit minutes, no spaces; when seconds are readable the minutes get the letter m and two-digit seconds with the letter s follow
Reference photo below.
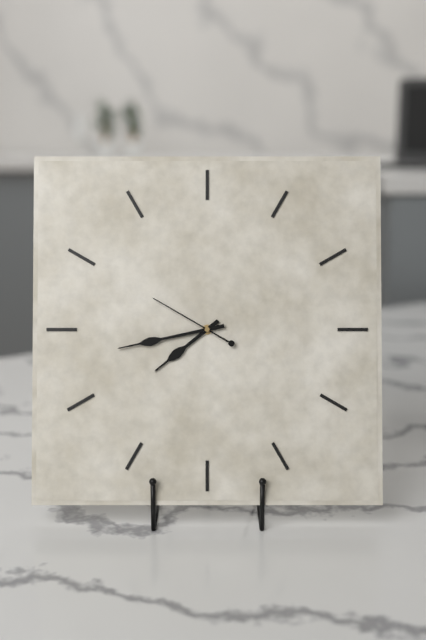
7h43m50s
